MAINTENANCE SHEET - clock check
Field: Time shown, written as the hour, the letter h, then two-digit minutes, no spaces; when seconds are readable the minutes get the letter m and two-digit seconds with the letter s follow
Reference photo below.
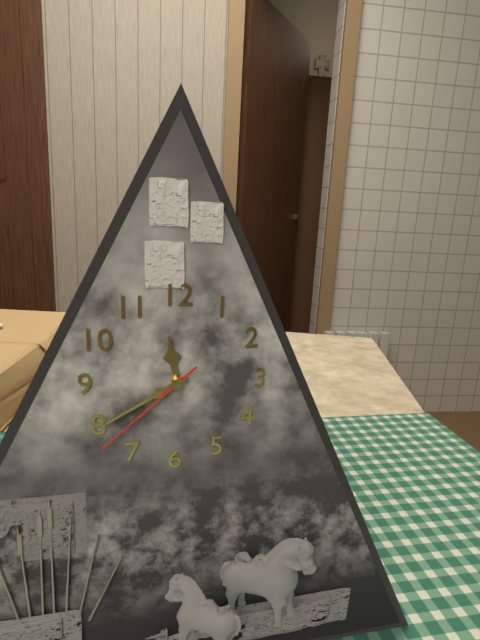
11h40m38s
